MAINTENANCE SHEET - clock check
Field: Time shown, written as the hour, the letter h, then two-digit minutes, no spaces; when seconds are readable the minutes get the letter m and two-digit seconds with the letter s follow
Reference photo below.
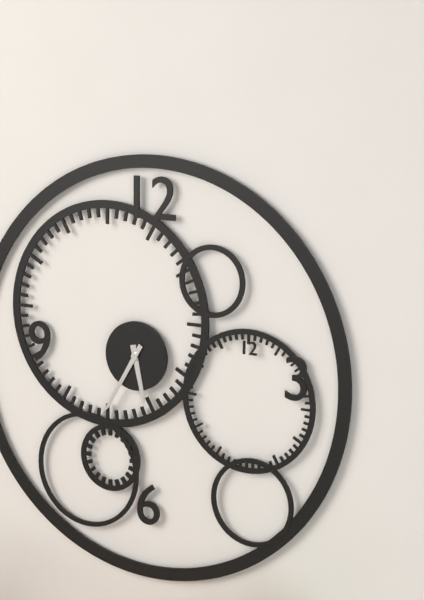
5h35
